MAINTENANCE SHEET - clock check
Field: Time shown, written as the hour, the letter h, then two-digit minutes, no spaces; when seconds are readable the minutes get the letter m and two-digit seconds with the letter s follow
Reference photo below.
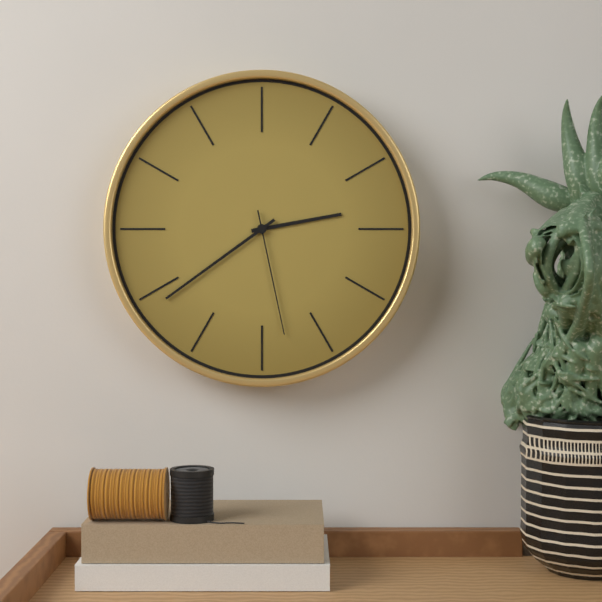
2h39m28s
